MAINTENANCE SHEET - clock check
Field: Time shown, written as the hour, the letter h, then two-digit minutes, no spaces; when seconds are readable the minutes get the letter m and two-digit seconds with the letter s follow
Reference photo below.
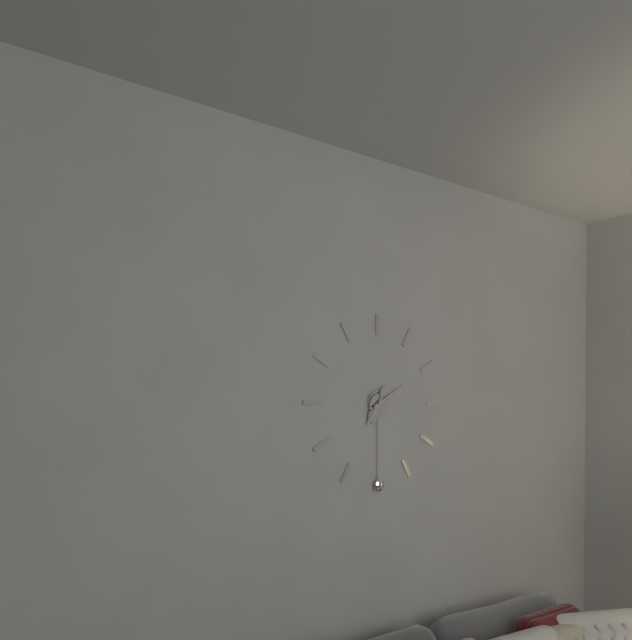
7h10
